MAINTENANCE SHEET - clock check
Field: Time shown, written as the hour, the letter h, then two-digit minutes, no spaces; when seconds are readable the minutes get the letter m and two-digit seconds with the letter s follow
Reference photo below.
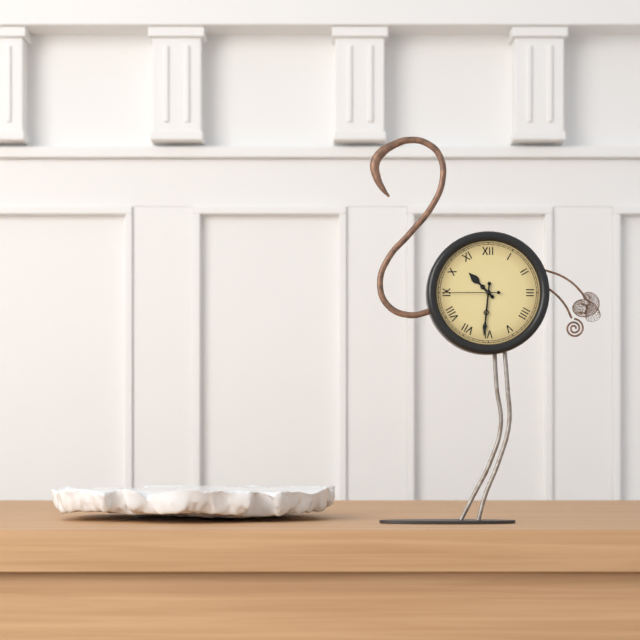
10h31m45s
